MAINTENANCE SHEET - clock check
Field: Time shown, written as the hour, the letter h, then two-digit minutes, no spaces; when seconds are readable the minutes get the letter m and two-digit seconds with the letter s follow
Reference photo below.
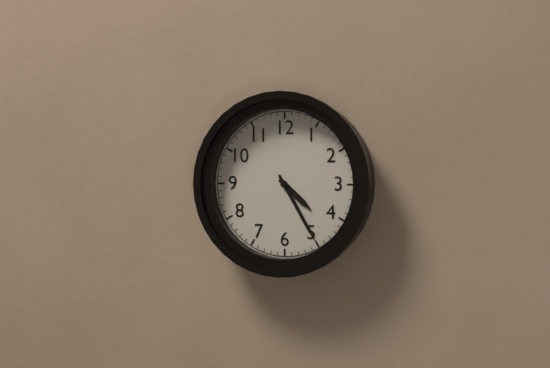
4h25
